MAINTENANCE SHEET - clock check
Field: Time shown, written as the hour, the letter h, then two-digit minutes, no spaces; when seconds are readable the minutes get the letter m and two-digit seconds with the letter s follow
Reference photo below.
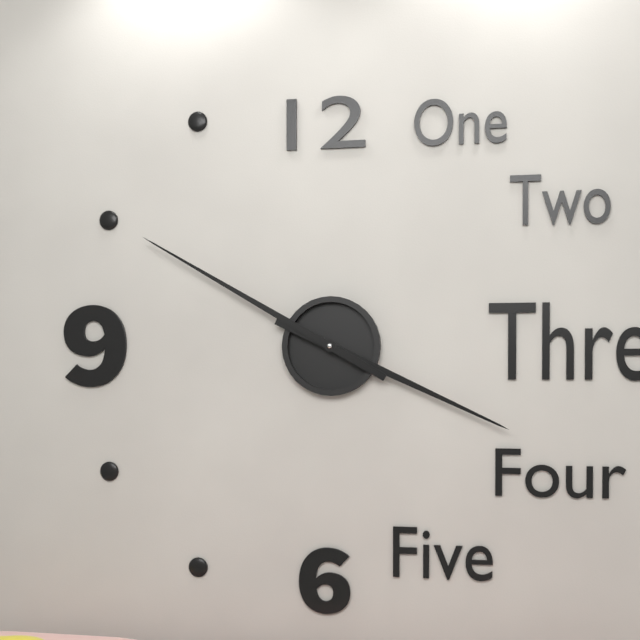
3h50
